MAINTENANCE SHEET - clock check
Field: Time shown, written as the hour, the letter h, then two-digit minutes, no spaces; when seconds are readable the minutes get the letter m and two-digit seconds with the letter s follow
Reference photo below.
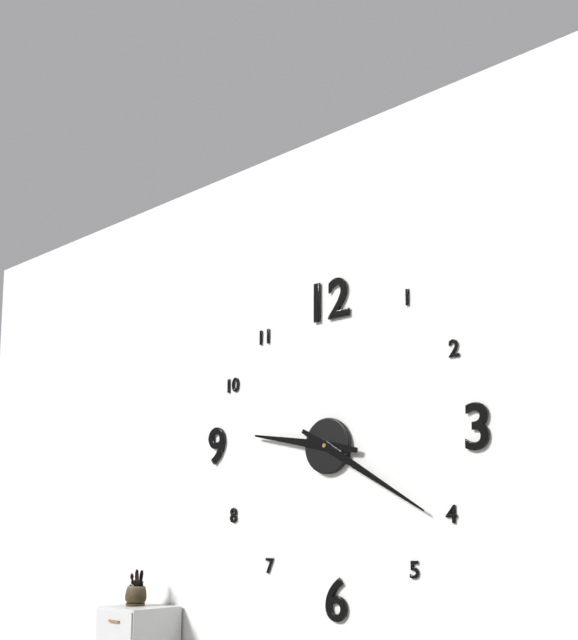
9h20
